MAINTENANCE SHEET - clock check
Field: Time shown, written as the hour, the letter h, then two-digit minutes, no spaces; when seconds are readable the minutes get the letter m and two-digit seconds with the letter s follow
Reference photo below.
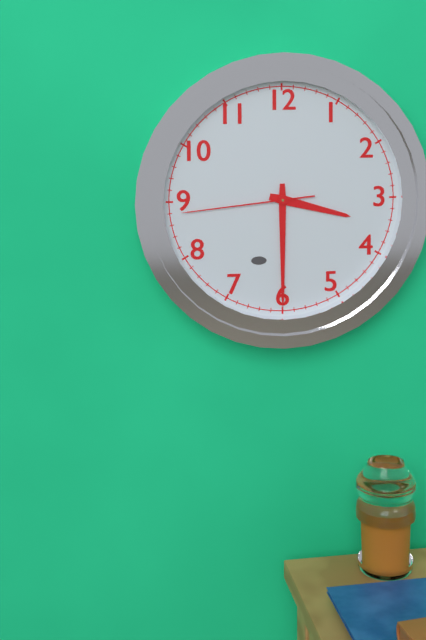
3h30m44s
